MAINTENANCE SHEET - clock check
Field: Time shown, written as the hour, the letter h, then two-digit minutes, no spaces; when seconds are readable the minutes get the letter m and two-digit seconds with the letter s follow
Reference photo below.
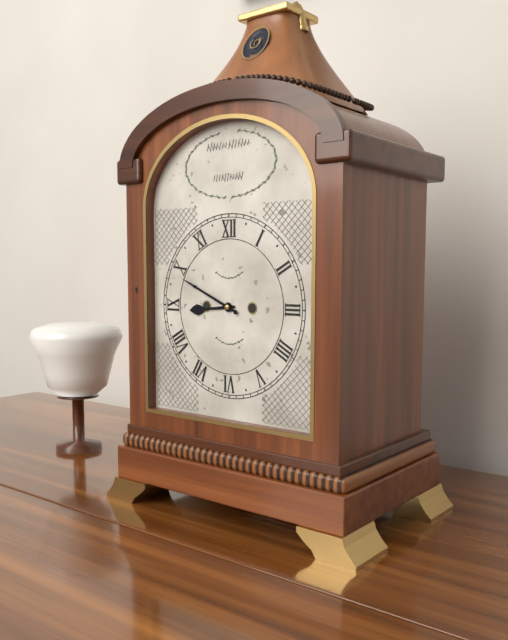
8h49
